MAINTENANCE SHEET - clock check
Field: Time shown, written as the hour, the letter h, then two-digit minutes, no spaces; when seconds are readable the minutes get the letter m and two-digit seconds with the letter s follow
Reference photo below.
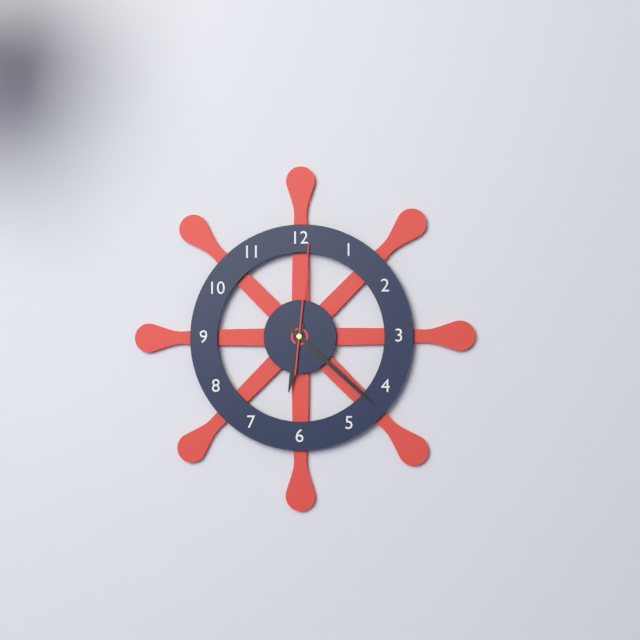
6h22m01s
